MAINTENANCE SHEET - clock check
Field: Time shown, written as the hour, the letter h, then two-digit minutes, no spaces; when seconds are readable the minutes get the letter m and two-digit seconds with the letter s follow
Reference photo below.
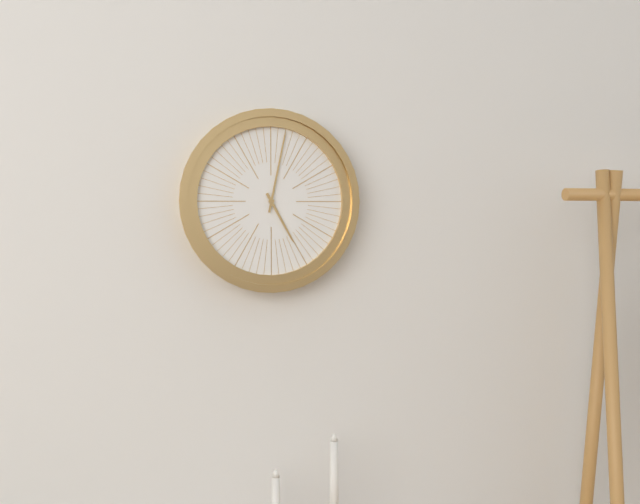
5h02
